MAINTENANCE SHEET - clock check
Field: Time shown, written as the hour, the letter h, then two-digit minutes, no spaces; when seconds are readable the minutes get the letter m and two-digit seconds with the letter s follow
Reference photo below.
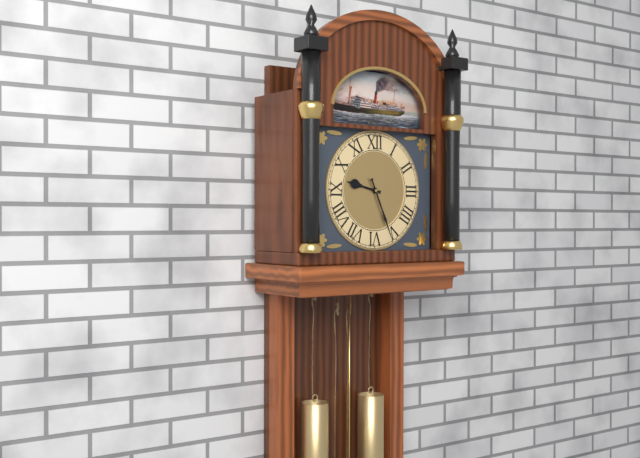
9h26
